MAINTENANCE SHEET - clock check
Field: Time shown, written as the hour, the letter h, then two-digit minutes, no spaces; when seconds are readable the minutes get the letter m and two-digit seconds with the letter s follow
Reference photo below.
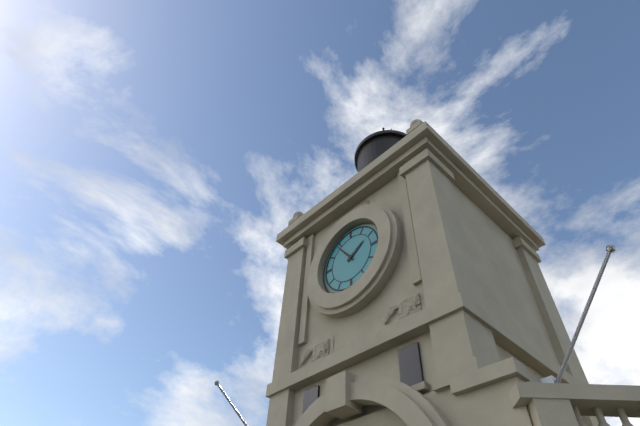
1h54
